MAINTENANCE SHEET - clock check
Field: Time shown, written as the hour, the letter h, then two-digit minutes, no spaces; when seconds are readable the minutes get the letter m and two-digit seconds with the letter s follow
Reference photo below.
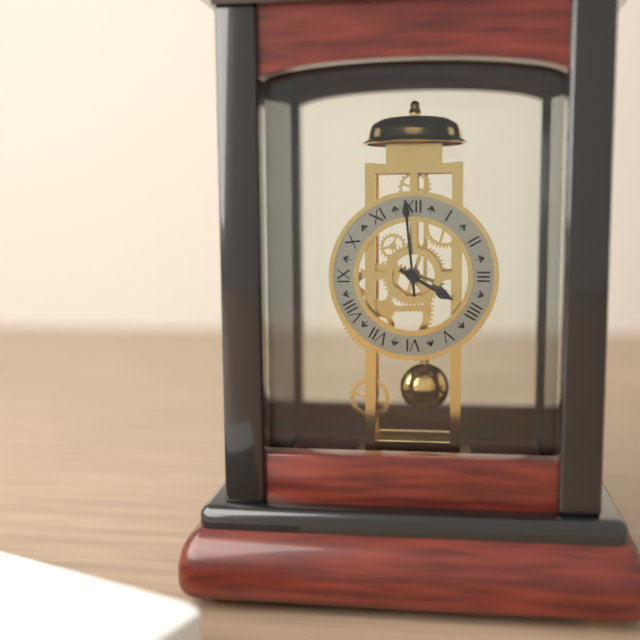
3h59
